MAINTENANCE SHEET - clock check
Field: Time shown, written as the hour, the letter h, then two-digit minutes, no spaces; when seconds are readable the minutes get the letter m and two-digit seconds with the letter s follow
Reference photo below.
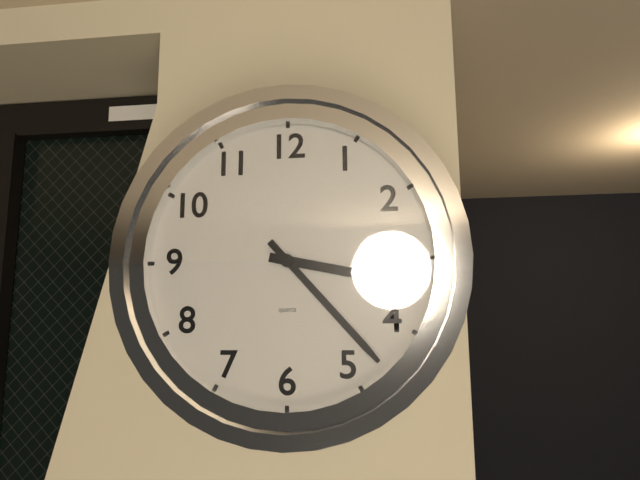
3h23
